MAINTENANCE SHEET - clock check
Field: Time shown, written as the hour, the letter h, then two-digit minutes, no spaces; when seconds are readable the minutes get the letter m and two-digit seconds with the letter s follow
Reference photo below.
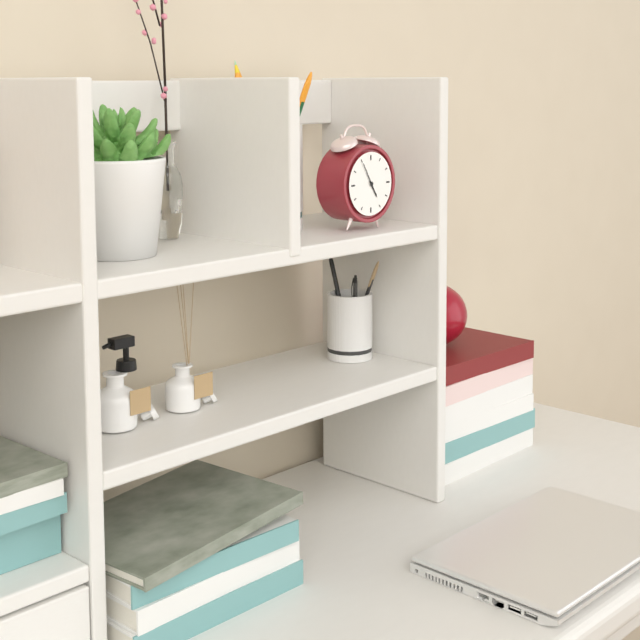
4h55
